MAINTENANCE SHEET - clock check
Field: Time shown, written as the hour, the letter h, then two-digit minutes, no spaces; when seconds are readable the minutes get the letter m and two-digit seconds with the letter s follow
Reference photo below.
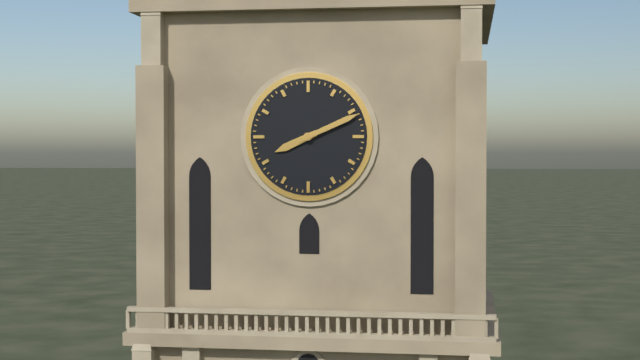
8h11
